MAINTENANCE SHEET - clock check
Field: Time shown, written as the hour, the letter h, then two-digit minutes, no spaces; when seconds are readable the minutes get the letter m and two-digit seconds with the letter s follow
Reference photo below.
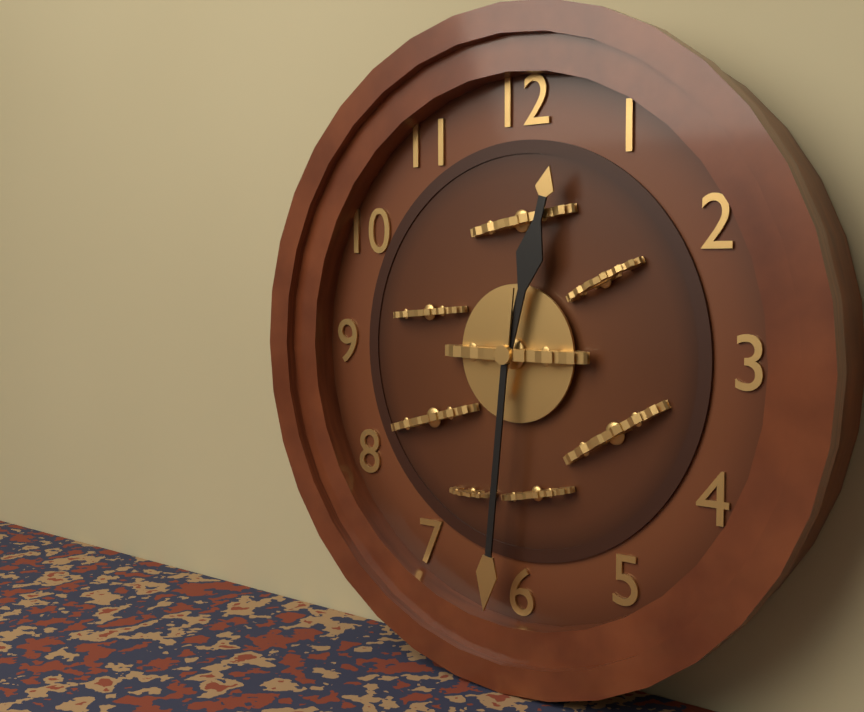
12h31
